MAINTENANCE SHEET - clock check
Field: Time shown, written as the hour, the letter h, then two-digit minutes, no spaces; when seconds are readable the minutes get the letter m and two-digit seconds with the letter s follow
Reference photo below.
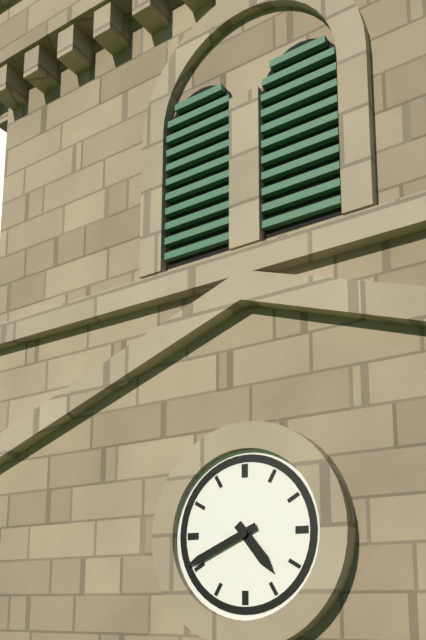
4h41
